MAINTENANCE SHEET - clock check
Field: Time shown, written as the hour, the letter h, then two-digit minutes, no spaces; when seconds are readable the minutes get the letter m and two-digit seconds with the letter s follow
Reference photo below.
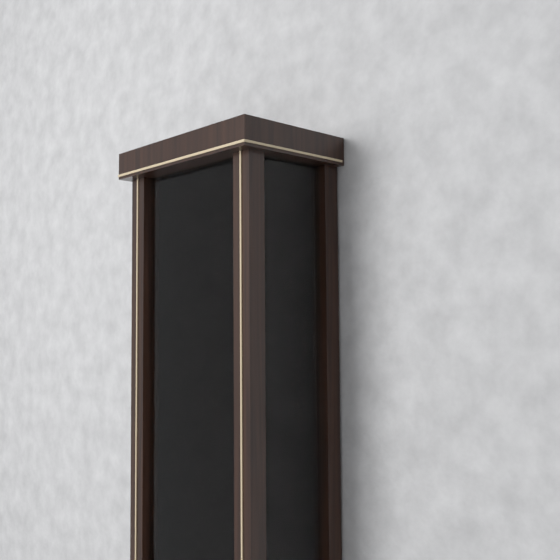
4h01
